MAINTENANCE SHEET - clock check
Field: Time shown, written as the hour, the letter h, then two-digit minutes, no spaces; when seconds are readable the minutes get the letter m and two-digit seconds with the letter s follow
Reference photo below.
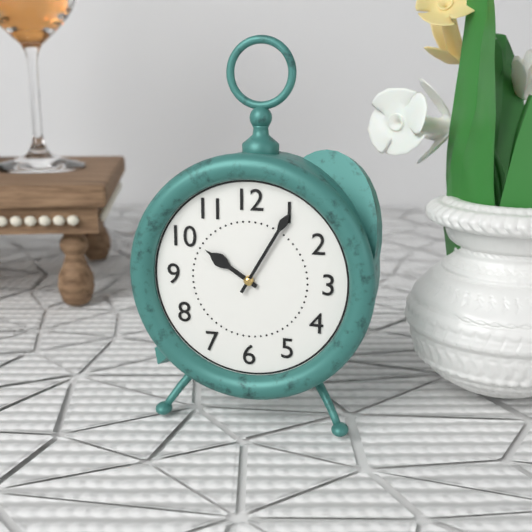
10h05
